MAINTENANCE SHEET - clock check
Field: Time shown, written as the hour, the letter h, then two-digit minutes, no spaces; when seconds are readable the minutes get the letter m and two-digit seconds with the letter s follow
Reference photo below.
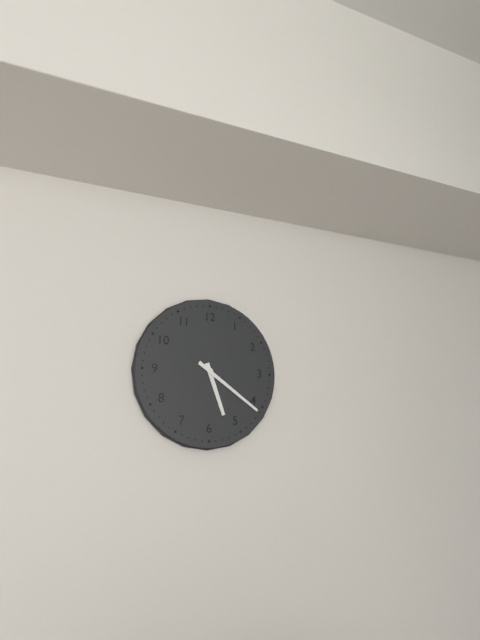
5h21
